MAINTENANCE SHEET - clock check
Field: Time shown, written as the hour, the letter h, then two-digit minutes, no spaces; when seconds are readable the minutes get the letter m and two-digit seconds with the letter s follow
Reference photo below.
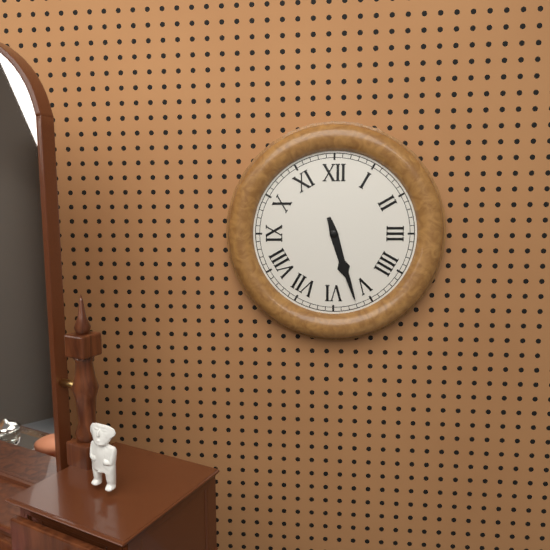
5h27
